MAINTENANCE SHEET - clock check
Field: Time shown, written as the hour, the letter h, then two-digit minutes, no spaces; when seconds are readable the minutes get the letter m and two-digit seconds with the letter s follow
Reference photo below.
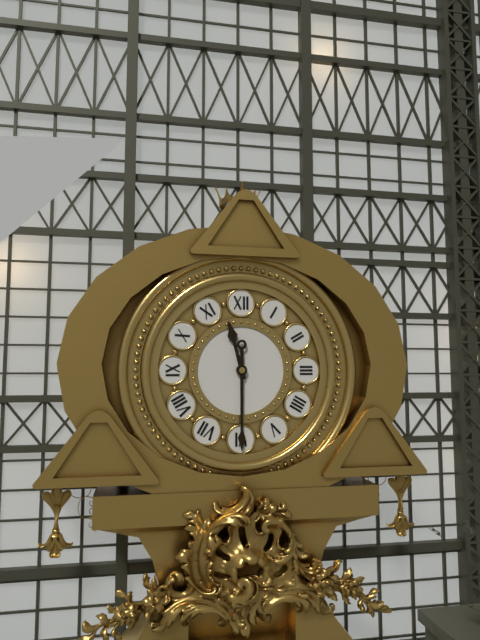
11h30
